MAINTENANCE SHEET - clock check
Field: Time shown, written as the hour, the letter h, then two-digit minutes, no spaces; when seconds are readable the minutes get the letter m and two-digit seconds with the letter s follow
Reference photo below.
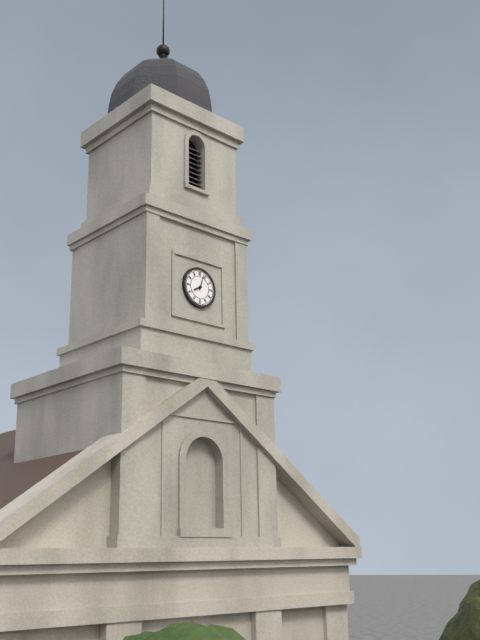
8h03
